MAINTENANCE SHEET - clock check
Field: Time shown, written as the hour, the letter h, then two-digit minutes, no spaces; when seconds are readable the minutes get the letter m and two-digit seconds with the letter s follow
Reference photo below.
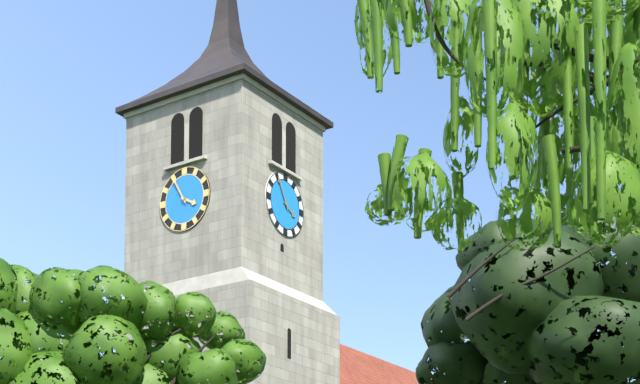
3h55
